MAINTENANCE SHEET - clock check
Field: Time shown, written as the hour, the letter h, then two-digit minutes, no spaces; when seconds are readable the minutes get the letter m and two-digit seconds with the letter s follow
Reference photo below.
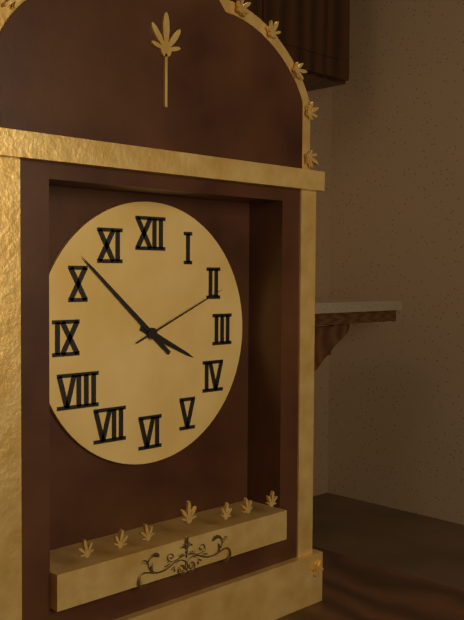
3h52m11s
